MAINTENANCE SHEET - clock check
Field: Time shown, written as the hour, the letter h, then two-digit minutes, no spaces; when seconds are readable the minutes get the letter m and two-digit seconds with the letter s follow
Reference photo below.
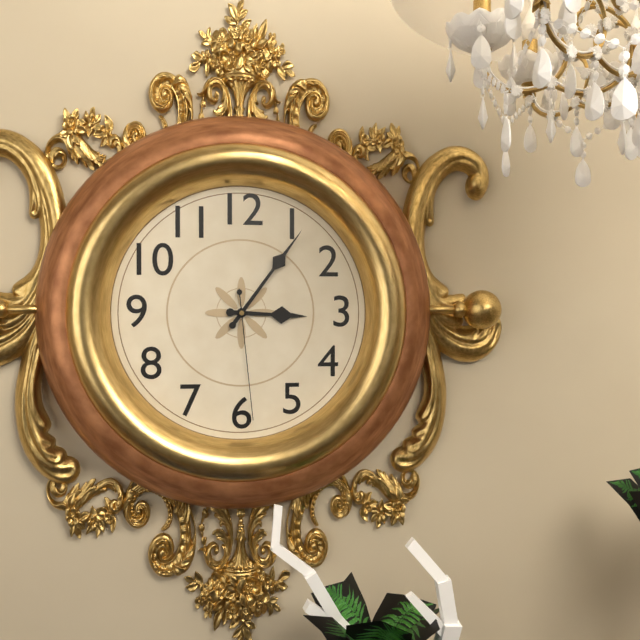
3h06m29s
